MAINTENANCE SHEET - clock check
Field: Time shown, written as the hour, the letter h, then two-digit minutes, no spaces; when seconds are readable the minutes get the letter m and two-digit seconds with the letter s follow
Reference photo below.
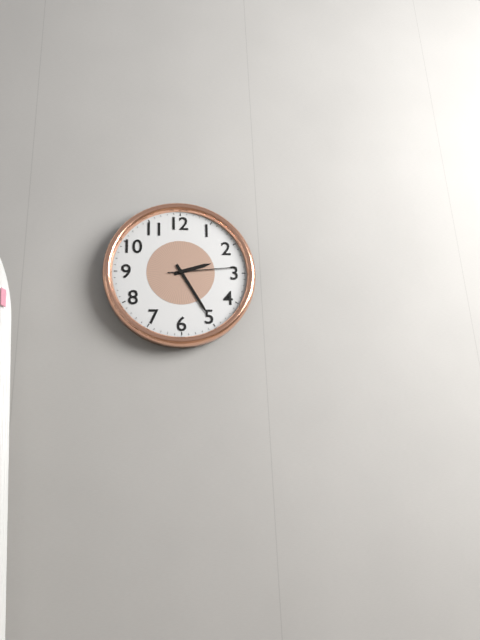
2h25m14s
